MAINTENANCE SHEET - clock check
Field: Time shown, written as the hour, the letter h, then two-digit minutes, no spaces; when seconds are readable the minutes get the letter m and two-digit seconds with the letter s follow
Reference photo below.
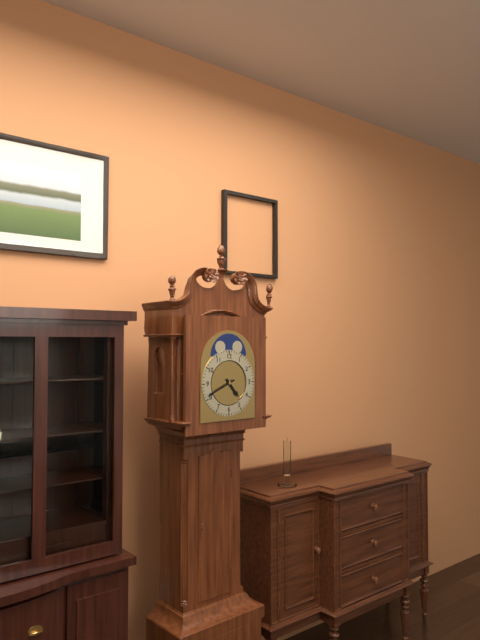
4h41
